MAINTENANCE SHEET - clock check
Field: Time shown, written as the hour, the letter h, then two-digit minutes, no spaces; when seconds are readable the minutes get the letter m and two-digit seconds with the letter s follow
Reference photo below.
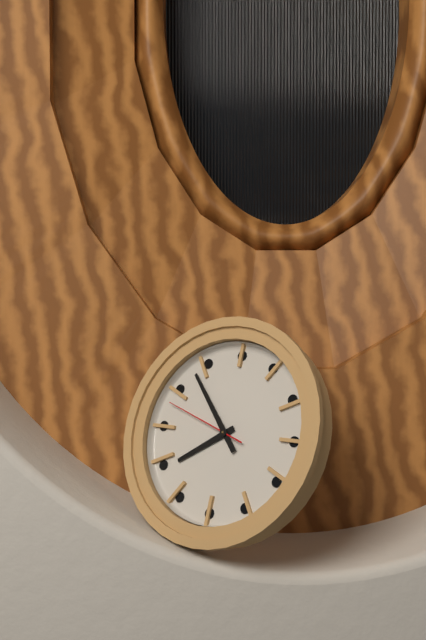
7h53m48s
